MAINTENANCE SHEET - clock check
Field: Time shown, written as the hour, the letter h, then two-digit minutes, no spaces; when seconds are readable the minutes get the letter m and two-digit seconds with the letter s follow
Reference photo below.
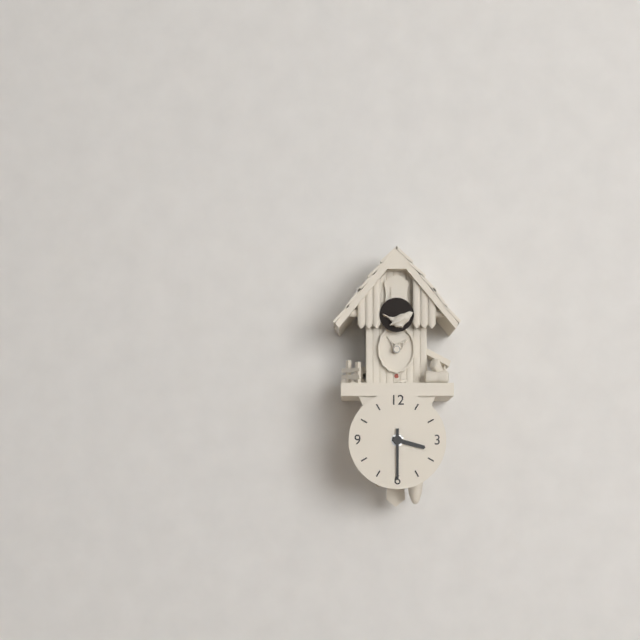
3h30
